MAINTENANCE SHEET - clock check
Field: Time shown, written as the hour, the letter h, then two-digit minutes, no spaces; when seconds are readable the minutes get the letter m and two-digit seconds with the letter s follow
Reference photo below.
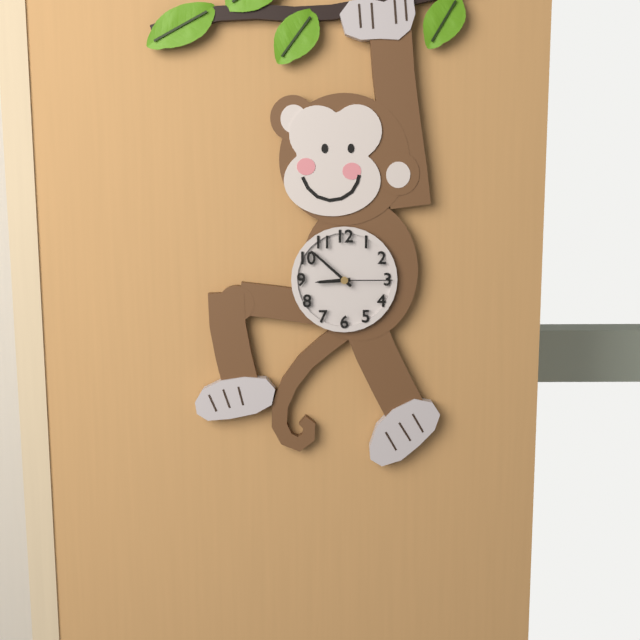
8h52m15s
